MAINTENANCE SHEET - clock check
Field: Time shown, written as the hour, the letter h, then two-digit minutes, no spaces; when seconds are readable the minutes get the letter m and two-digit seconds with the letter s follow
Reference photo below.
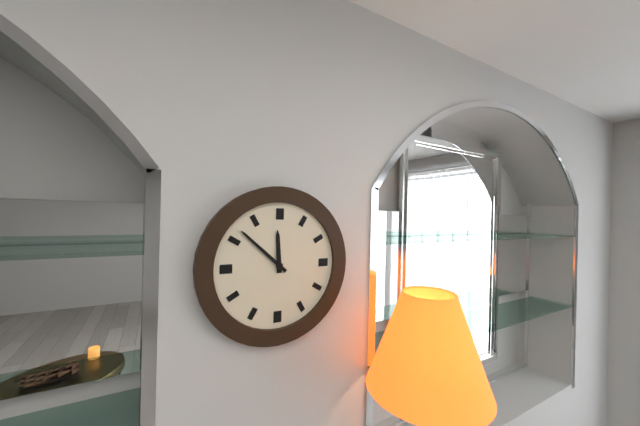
11h52
